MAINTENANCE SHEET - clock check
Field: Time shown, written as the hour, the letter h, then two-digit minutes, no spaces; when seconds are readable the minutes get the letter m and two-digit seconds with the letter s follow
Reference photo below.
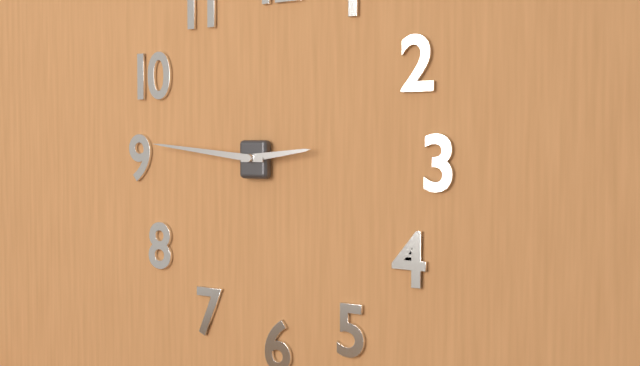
2h46
